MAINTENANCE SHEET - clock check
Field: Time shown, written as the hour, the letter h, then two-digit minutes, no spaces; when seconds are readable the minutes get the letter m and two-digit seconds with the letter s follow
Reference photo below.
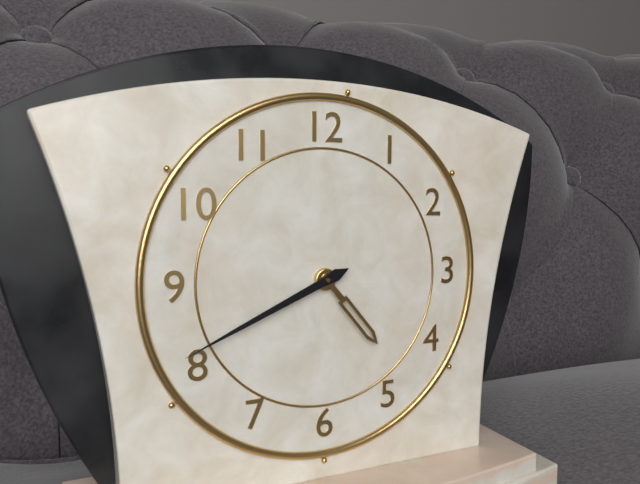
4h41
